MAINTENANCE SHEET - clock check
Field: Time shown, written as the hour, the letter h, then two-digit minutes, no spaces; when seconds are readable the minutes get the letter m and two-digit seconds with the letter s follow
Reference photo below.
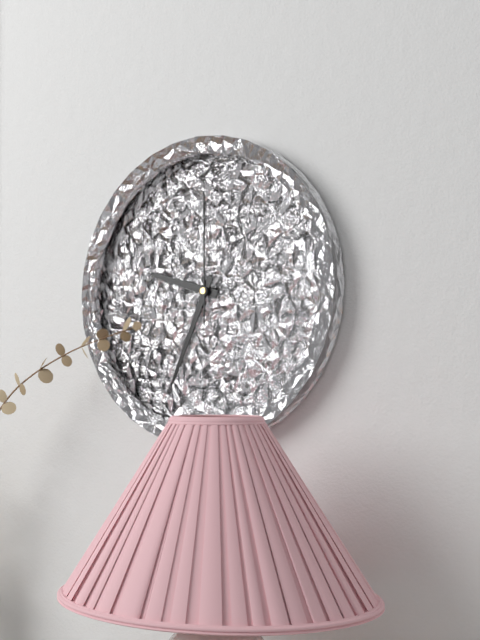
9h34m00s
